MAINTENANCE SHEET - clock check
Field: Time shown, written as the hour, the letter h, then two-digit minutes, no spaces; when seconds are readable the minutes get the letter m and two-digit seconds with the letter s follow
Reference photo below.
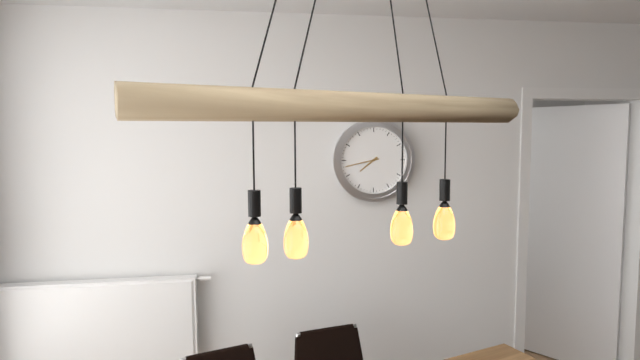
7h43
